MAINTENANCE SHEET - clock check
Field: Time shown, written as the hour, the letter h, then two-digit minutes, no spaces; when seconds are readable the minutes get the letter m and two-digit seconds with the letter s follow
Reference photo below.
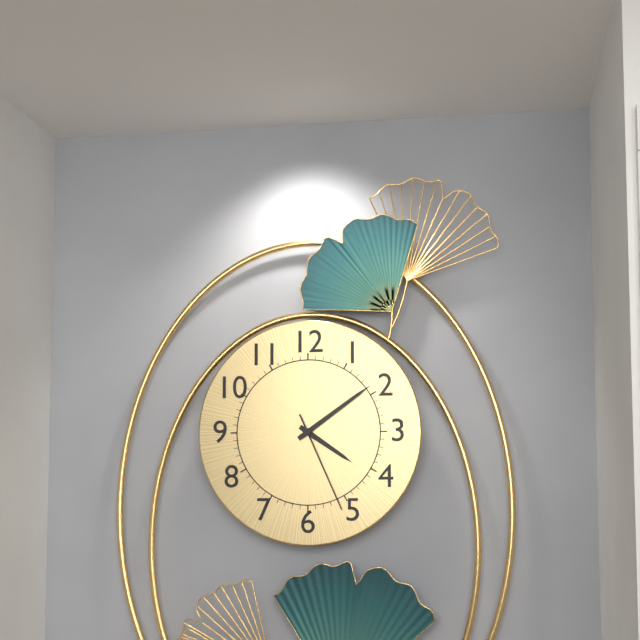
4h09m26s
